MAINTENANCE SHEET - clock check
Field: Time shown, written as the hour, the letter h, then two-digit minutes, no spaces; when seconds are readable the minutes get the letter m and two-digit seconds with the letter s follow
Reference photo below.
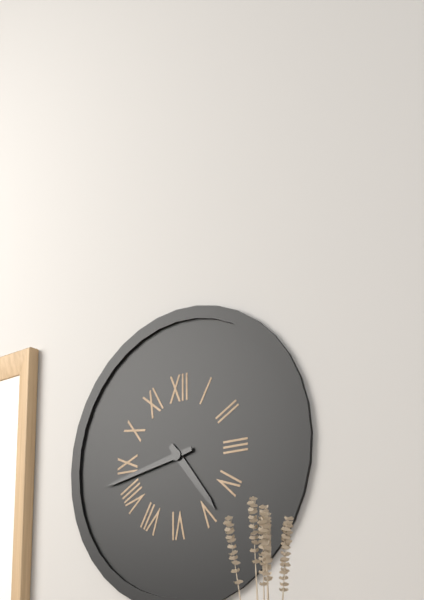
4h43
